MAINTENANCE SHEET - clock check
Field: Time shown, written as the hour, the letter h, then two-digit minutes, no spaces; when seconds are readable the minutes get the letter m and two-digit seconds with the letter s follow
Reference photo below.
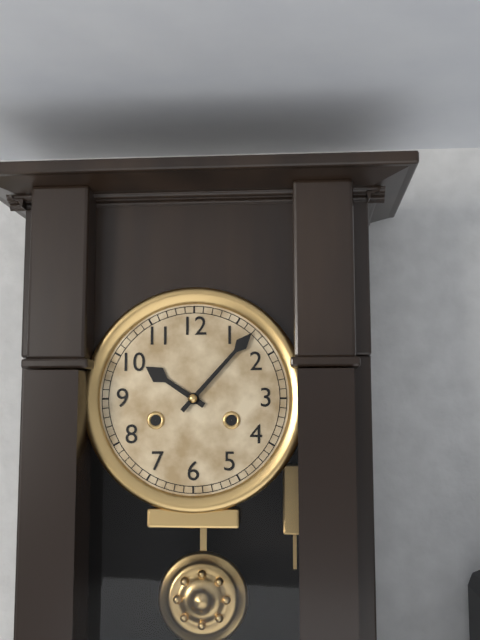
10h07
